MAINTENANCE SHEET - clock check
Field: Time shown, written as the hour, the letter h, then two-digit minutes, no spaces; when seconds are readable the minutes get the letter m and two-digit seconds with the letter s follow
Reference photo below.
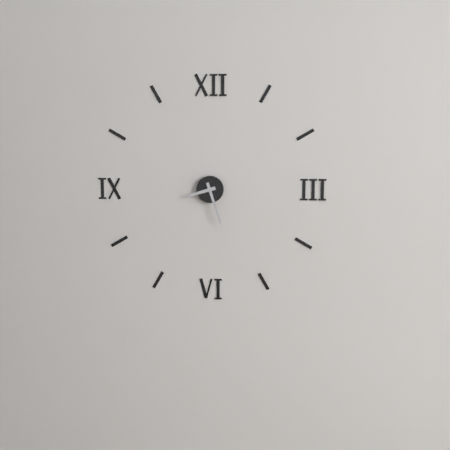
8h27
